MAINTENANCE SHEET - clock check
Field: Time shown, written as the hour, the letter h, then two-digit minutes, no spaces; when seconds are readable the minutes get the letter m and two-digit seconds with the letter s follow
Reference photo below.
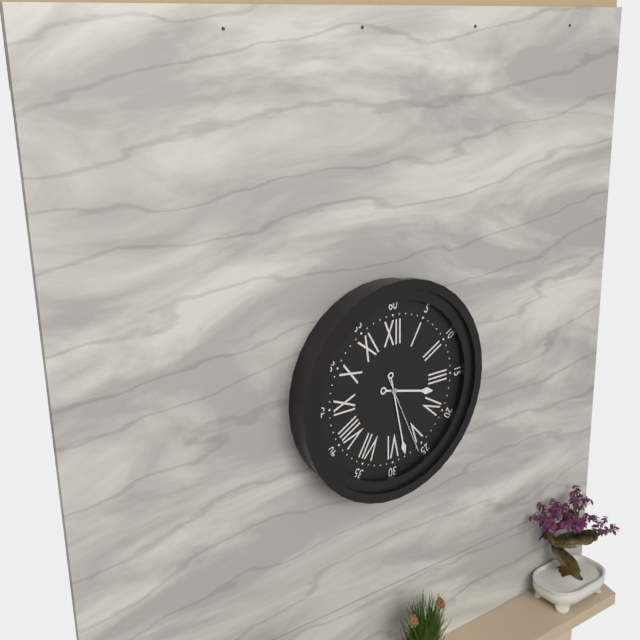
3h28m26s
